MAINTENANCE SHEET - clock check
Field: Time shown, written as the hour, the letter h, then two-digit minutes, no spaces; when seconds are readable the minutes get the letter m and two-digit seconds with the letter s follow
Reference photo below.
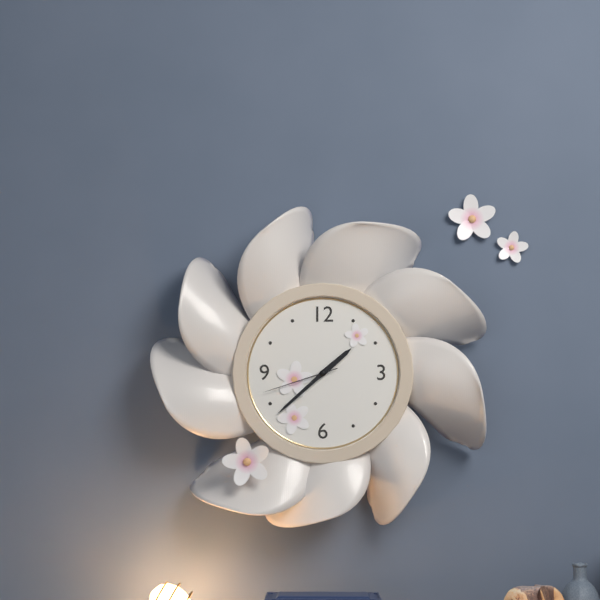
1h38m42s
